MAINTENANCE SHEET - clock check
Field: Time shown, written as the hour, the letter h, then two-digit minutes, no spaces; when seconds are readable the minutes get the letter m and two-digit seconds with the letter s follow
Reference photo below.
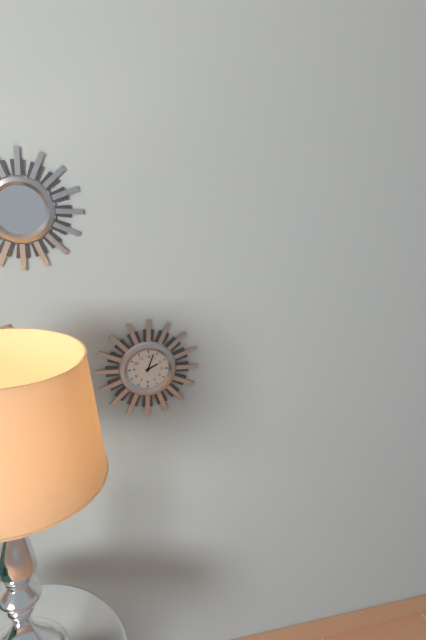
2h03
